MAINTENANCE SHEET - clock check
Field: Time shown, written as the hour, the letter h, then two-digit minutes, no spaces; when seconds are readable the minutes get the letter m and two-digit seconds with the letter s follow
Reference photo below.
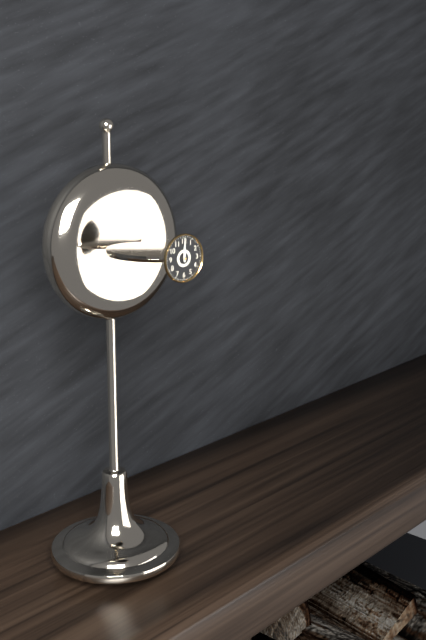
12h00
